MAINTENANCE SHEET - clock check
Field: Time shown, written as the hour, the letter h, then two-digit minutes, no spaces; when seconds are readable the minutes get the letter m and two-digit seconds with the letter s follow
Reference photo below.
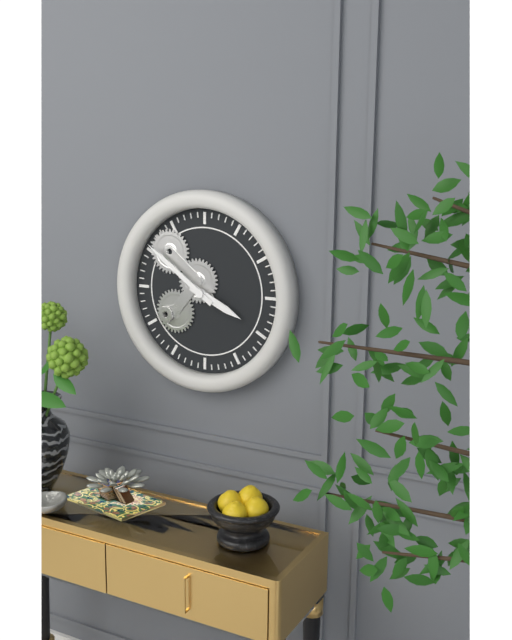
3h51
